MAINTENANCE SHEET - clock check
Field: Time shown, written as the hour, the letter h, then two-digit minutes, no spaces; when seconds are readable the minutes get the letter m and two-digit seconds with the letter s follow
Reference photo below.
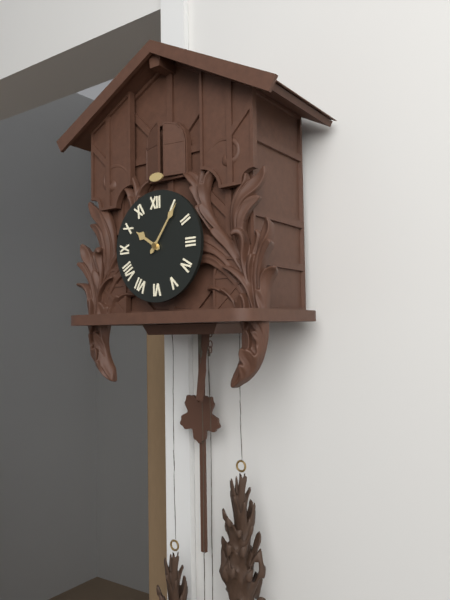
10h06
